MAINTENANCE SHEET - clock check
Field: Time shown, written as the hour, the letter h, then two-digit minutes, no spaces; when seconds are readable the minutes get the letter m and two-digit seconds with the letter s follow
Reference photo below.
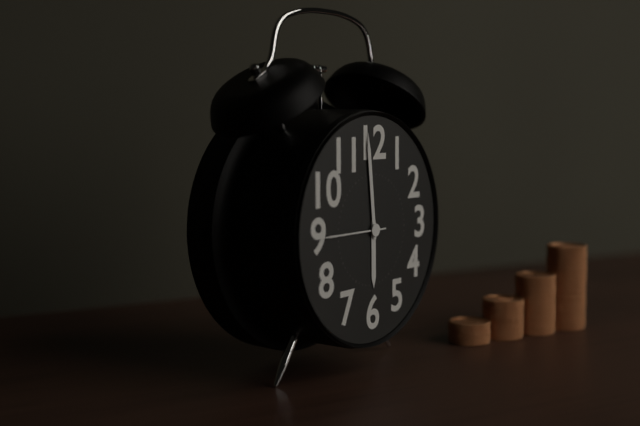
5h59m45s
